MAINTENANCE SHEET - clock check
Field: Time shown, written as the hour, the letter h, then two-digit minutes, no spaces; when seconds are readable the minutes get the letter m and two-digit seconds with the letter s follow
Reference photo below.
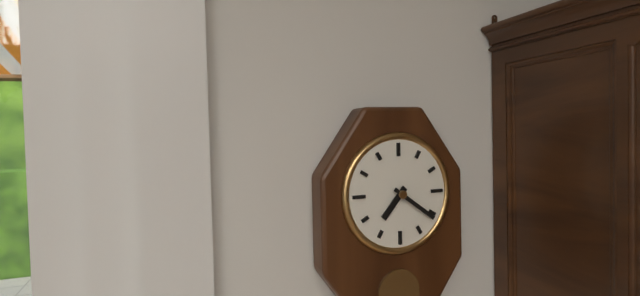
7h21
